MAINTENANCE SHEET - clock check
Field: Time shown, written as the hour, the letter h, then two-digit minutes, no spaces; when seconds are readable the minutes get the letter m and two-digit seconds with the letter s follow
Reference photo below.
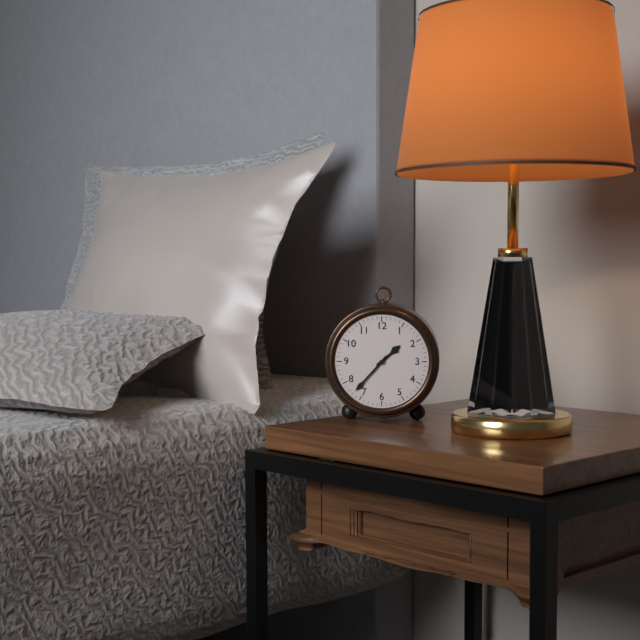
1h37
